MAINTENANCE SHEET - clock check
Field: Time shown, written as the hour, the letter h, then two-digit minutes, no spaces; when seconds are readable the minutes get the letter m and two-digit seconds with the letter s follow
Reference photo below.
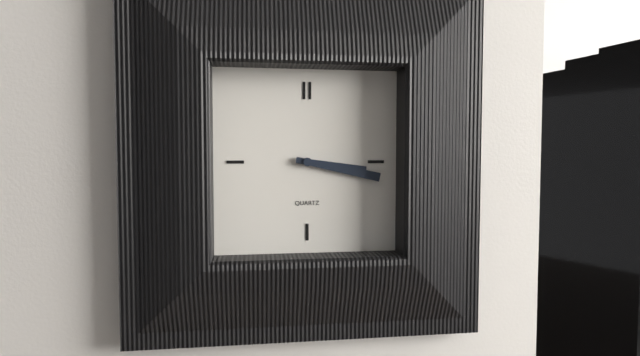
3h17
